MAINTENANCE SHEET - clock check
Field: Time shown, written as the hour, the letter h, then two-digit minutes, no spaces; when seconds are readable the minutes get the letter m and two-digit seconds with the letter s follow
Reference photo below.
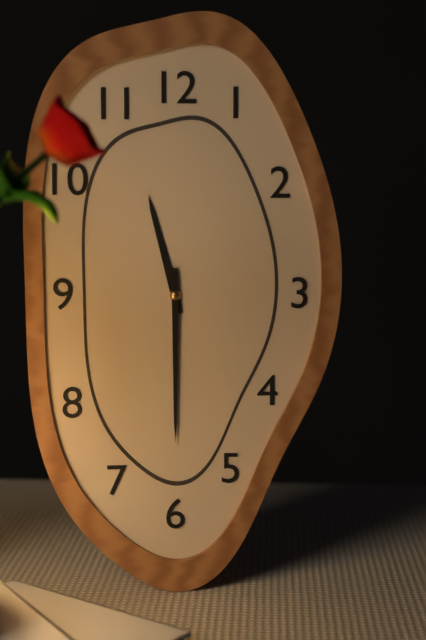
11h30
